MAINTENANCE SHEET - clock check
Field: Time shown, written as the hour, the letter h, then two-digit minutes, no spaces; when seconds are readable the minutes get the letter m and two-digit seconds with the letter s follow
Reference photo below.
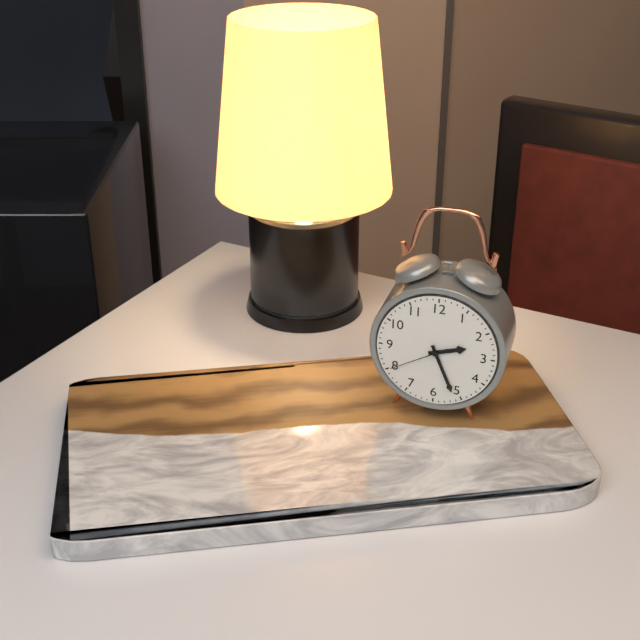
2h26m40s
